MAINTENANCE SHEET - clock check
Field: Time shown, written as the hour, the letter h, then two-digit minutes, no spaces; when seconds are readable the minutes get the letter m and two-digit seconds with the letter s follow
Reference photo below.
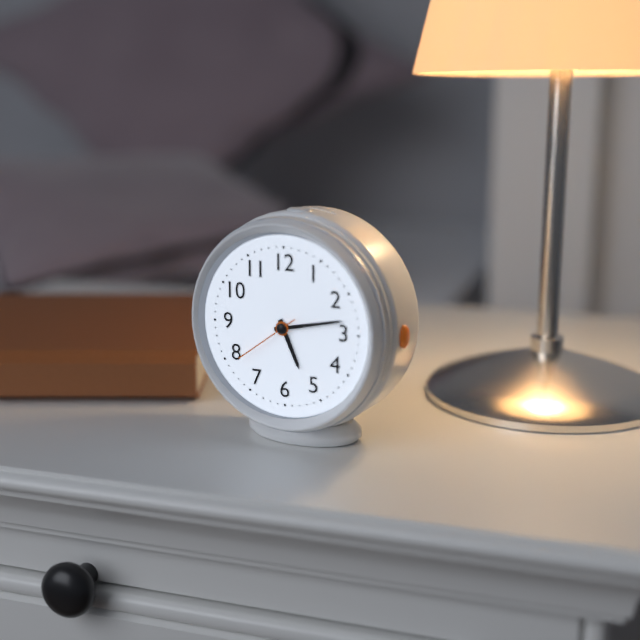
5h13m39s
